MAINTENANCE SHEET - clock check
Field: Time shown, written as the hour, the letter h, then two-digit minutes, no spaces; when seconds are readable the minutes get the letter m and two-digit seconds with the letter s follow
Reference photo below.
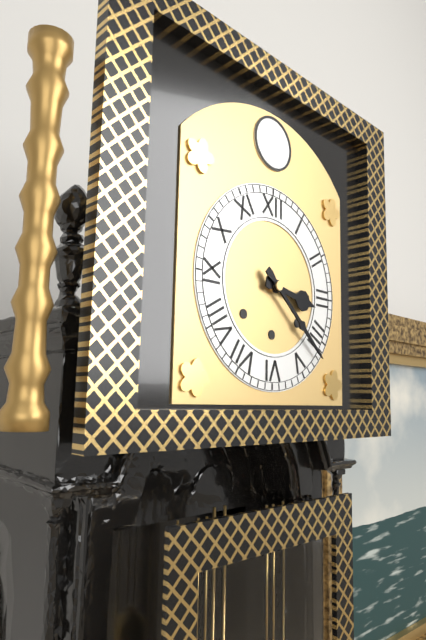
3h22
